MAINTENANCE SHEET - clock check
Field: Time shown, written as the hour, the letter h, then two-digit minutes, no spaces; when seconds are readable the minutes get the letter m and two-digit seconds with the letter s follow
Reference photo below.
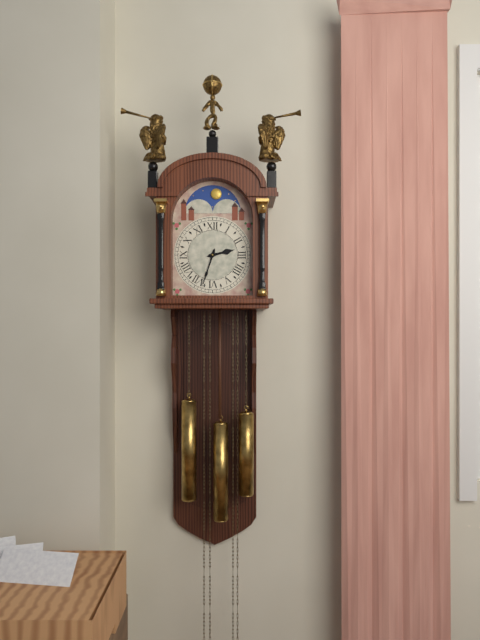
2h33
